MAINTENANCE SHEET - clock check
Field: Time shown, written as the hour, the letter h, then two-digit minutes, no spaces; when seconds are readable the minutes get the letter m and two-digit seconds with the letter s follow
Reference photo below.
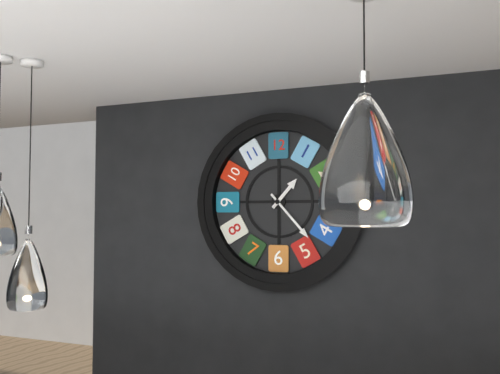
1h23
